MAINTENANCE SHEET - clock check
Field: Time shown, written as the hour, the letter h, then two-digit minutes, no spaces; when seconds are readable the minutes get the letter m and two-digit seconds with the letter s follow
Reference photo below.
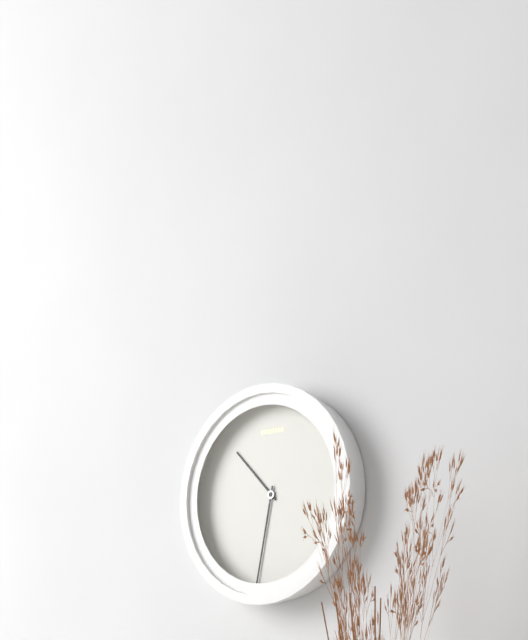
10h32
